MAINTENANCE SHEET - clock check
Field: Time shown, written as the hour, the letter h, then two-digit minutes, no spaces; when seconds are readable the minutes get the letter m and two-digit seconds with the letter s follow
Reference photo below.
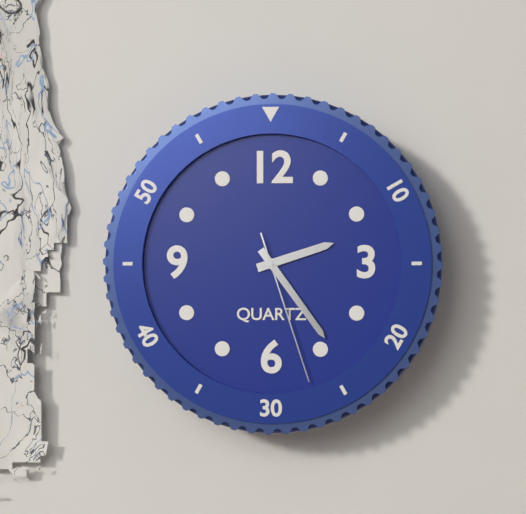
2h24m27s
